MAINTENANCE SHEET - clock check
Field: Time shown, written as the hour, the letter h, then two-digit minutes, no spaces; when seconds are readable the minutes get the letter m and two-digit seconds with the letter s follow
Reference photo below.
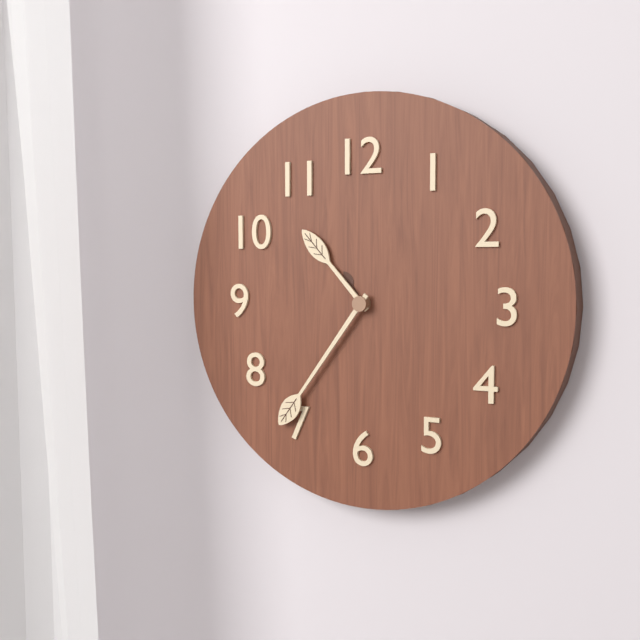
10h36
